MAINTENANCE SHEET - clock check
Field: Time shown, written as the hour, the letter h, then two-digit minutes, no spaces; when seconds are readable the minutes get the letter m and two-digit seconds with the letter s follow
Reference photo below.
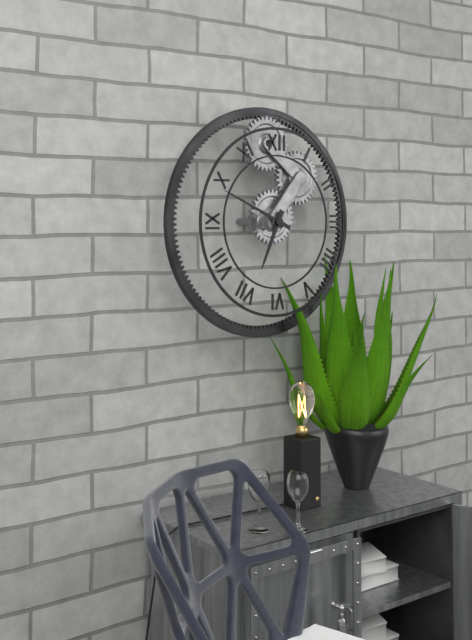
6h49
